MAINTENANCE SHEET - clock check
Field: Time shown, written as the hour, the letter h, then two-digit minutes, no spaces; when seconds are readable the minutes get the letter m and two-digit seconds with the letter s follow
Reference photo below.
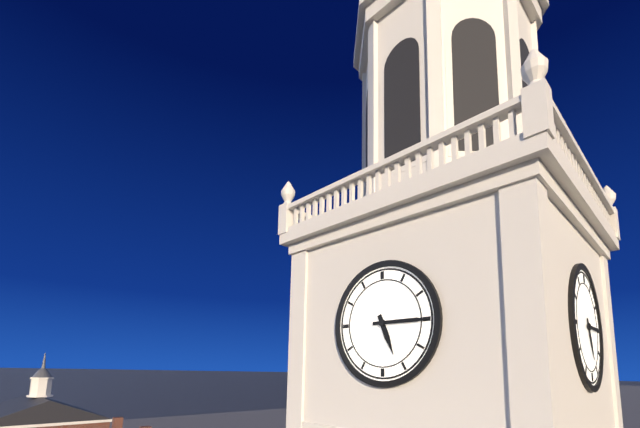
5h15
